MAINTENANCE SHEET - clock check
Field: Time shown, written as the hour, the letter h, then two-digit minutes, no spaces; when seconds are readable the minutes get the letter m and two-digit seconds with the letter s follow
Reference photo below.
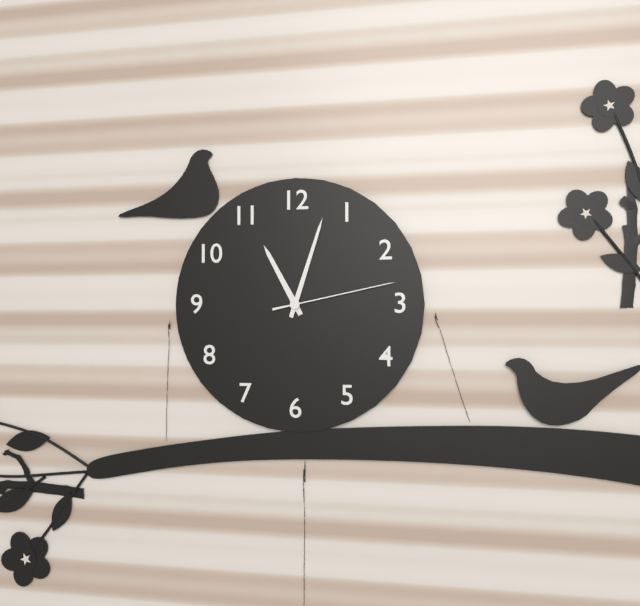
11h03m13s
